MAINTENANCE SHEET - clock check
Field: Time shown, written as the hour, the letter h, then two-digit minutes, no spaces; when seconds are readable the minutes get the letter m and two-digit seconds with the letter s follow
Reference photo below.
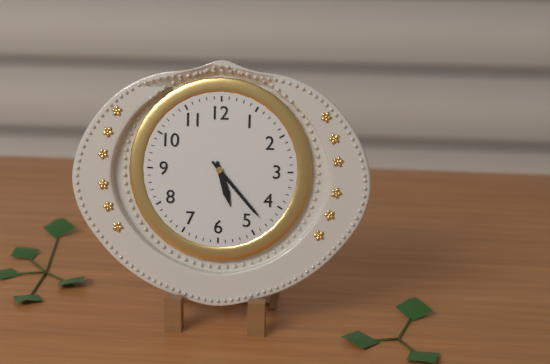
5h23
